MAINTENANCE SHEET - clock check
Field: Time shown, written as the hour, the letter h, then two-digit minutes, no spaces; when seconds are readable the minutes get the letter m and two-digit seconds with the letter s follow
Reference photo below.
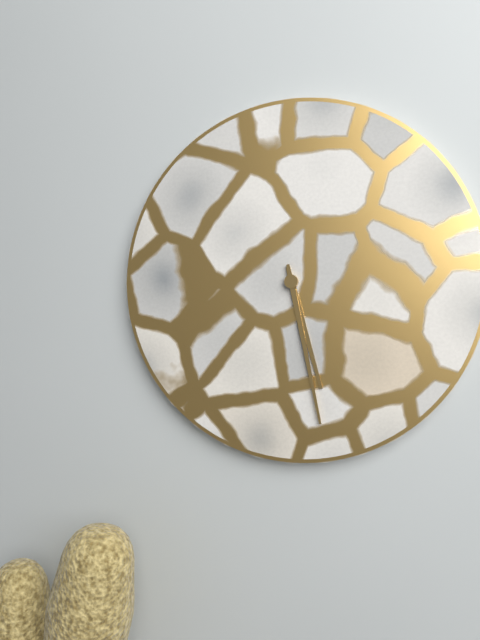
5h28
